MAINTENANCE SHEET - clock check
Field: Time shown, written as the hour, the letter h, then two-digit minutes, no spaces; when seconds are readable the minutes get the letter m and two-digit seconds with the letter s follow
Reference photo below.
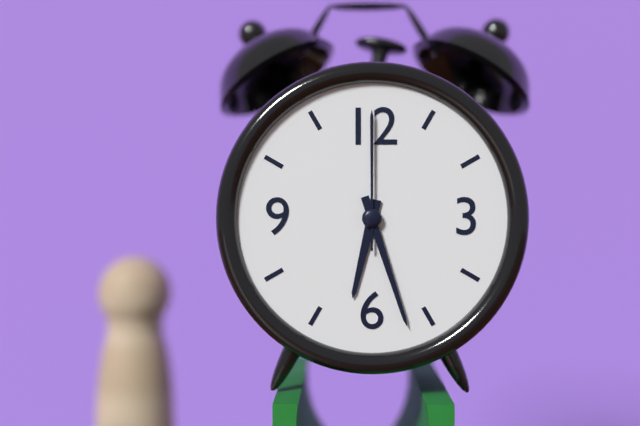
6h27m00s
